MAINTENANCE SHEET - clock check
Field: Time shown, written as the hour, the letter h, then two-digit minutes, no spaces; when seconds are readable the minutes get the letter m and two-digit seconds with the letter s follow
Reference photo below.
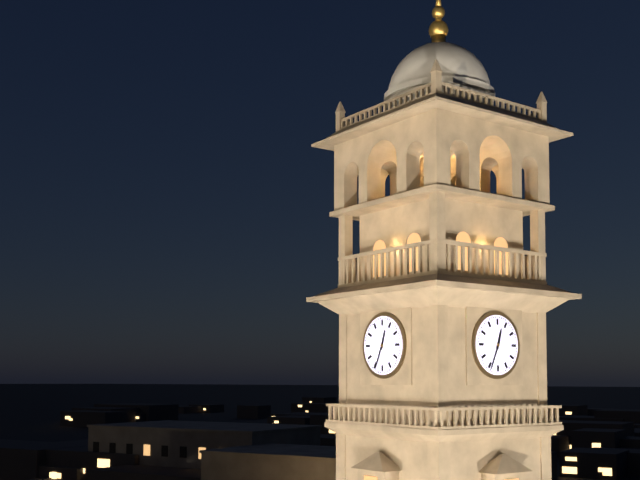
12h34
